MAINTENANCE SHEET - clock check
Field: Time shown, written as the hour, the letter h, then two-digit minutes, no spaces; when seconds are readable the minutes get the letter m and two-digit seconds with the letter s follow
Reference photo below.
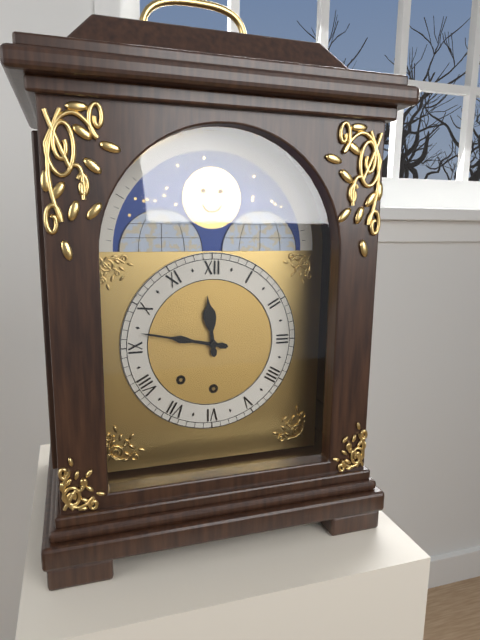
11h47
